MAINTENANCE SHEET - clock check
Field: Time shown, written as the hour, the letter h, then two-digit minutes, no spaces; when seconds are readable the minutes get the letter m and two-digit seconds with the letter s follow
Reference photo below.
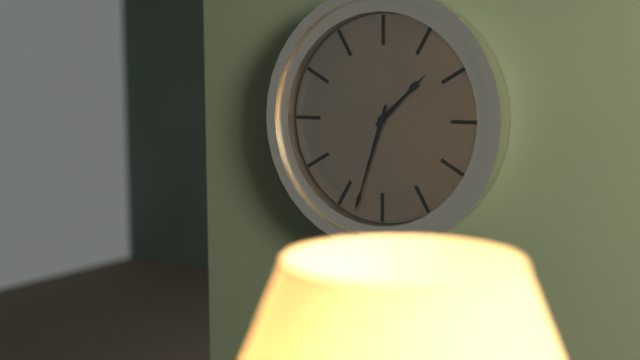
1h33
